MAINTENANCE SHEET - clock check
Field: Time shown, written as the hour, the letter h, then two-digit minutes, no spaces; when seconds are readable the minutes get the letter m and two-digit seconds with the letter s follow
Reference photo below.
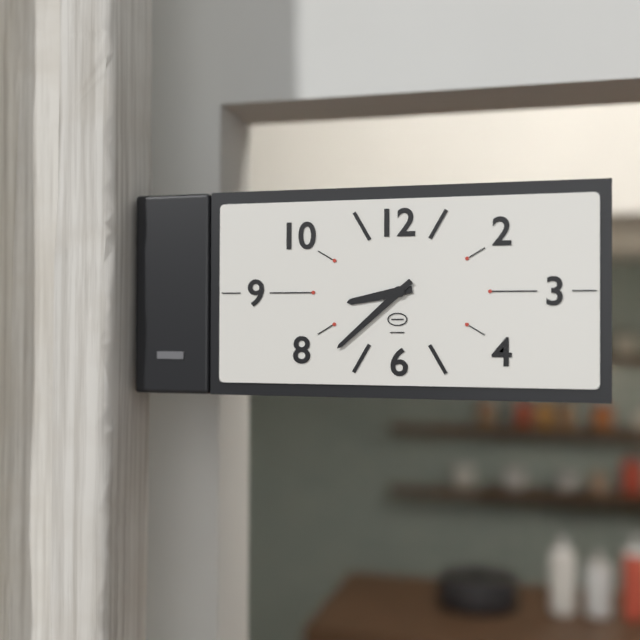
8h38
